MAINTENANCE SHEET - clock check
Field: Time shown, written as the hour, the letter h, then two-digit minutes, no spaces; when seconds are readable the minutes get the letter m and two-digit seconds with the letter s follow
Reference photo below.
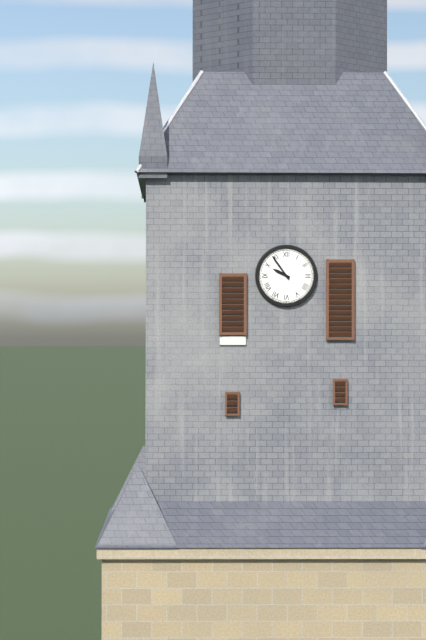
9h54
